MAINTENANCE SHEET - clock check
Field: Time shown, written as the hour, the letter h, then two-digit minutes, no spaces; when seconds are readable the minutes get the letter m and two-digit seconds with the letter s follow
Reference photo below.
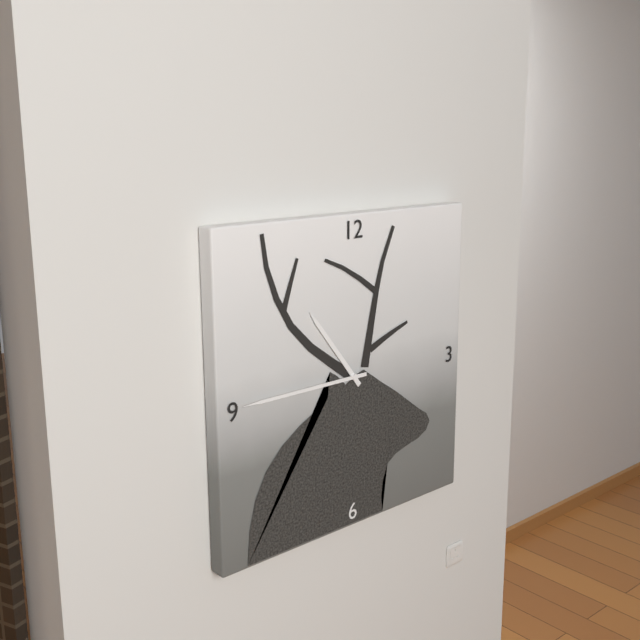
10h45
